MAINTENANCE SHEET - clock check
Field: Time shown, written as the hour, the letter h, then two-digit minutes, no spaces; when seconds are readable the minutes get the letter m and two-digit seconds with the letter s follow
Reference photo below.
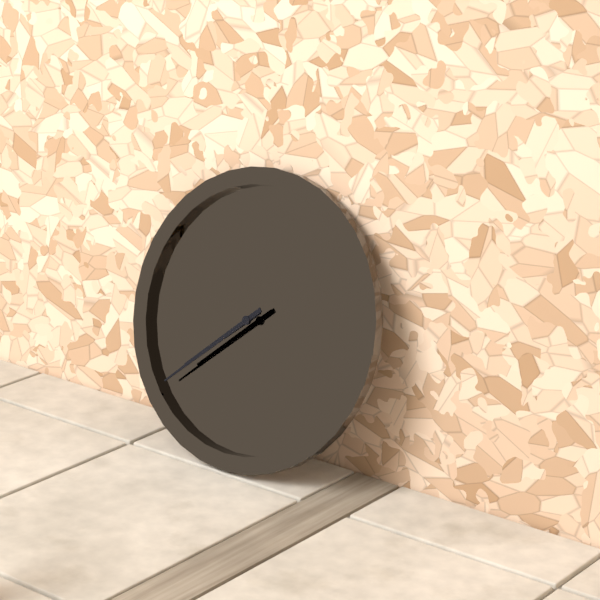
7h38
